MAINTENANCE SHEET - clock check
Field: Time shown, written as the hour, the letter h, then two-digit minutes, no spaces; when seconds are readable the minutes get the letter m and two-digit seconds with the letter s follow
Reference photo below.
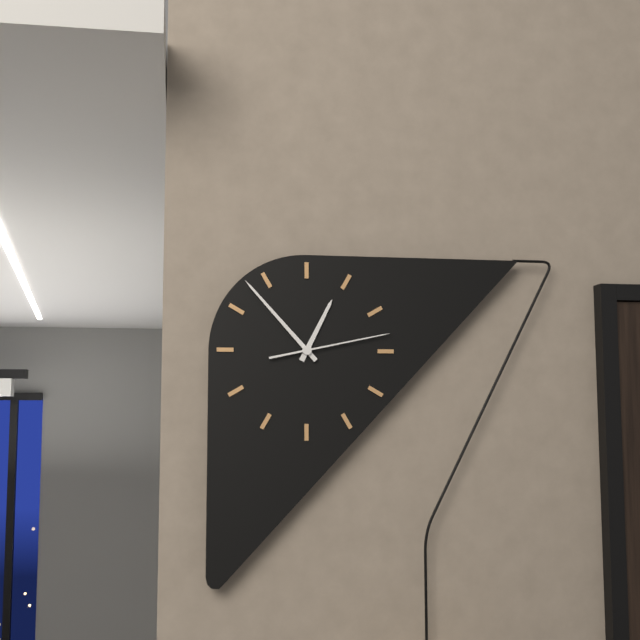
12h53m13s
